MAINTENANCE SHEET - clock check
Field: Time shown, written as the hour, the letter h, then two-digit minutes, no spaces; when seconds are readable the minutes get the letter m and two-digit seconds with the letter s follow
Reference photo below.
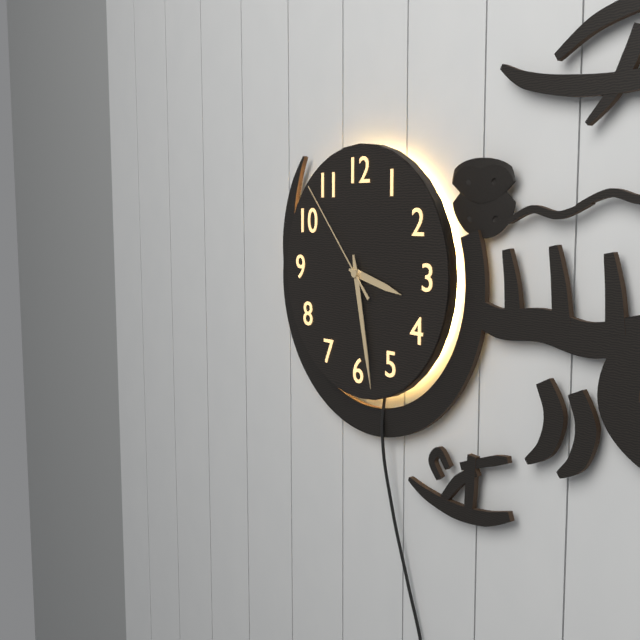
3h28m53s
